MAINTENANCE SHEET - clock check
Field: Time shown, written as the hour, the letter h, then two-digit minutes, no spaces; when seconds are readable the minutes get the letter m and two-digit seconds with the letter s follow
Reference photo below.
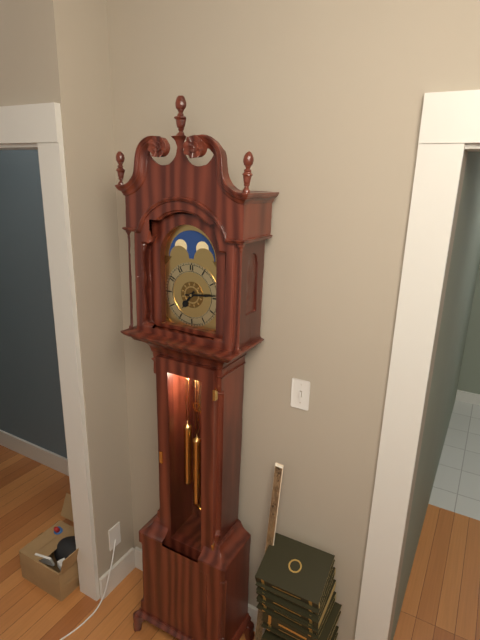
7h14
